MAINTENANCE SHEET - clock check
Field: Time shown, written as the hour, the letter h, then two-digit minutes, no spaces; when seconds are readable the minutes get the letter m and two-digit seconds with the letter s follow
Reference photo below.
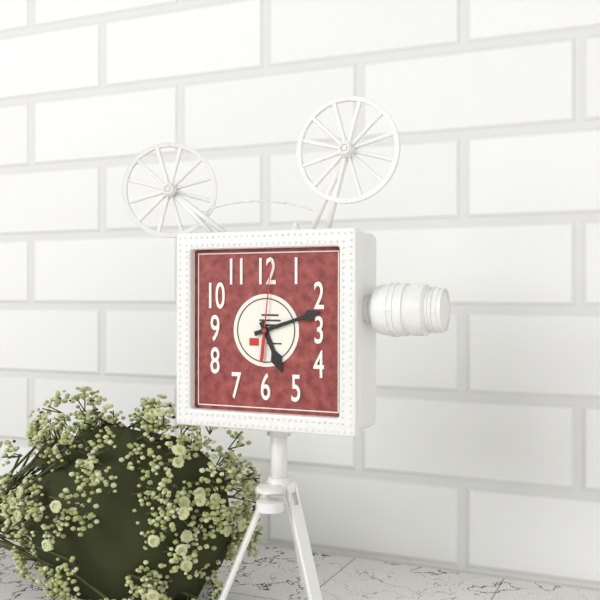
5h12m01s
